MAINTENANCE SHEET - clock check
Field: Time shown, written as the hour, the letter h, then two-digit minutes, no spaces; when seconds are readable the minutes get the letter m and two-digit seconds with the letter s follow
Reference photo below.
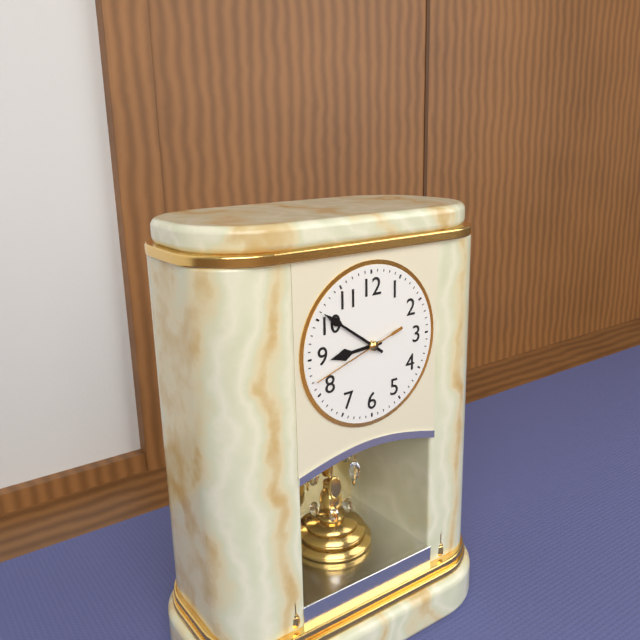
8h51m42s
